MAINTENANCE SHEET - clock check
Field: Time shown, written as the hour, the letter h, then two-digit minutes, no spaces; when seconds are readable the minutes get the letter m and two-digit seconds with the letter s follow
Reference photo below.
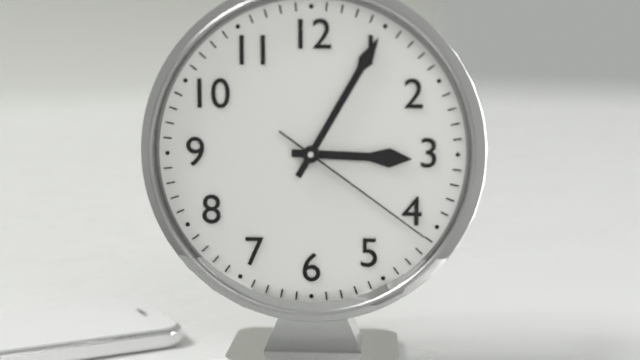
3h05m21s
